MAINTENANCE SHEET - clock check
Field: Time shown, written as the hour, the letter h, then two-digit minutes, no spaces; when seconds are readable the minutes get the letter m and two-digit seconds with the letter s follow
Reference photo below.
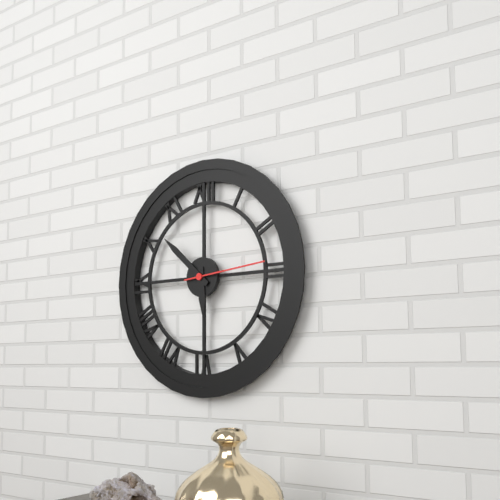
5h52m14s
